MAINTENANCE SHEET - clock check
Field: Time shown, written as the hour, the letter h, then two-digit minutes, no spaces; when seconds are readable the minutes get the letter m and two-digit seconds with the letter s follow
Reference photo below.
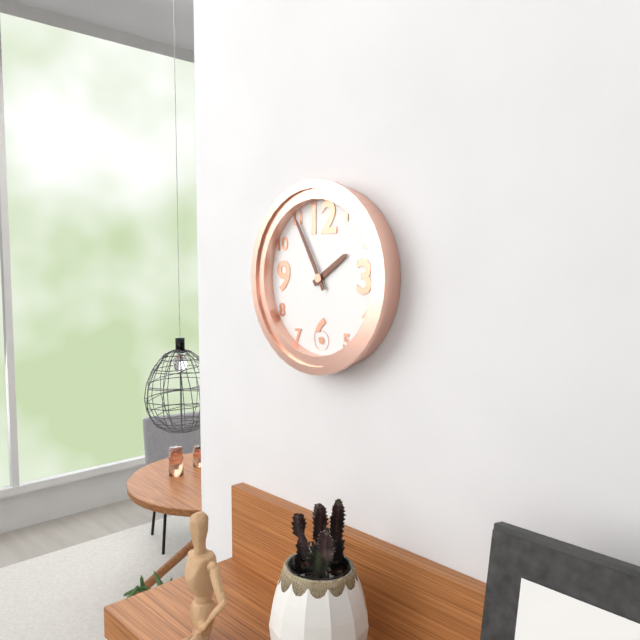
1h55
